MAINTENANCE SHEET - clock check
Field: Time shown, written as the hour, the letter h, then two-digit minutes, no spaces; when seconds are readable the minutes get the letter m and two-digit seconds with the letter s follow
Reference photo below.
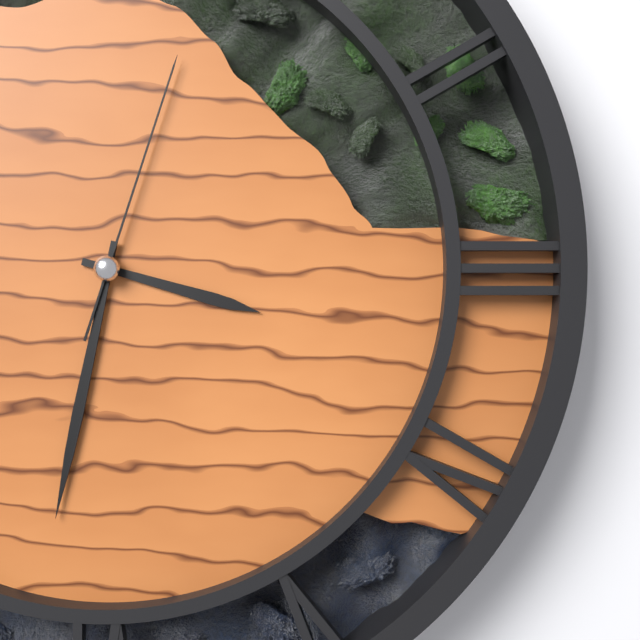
3h32m03s
